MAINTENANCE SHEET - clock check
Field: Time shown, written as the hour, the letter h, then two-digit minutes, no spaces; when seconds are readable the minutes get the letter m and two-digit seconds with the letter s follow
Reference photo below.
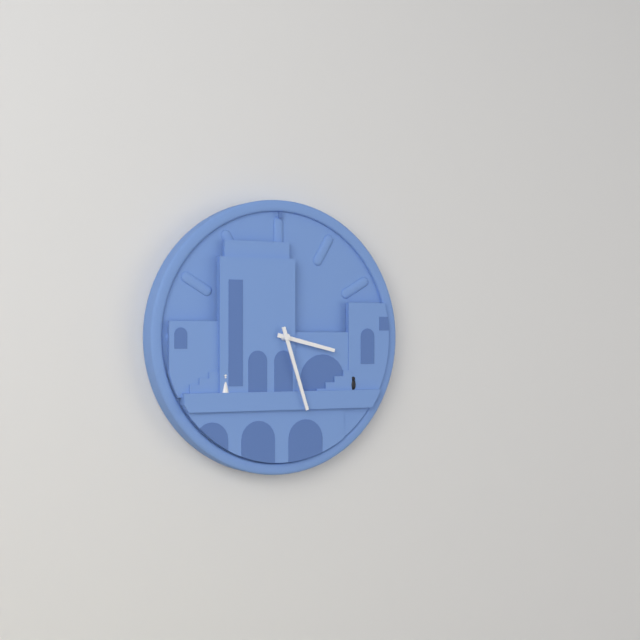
3h27
